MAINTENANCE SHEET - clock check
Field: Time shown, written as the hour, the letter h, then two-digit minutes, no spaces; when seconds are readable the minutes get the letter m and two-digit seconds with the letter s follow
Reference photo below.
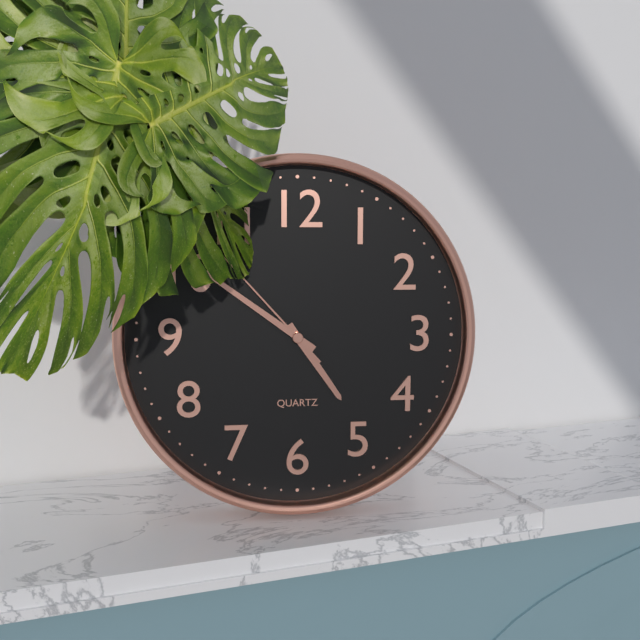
4h51m53s
